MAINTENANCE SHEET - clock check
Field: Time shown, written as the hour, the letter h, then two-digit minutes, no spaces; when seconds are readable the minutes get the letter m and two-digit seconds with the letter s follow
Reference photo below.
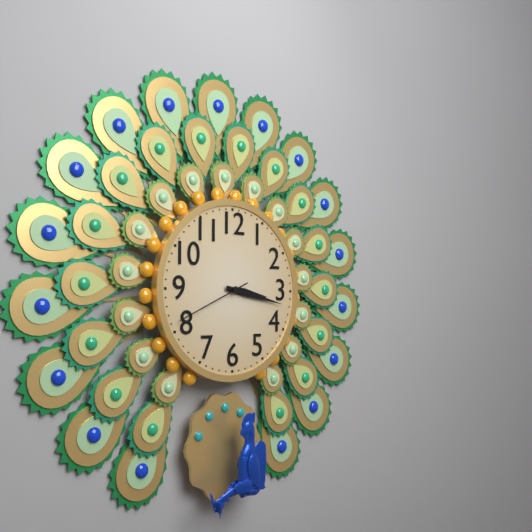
3h17m41s
